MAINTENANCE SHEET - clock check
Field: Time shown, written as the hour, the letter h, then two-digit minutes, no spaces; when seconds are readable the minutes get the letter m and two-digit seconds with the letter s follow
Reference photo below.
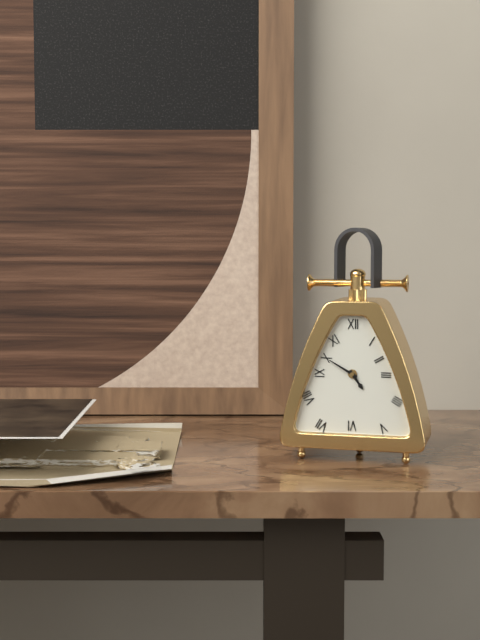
4h50
